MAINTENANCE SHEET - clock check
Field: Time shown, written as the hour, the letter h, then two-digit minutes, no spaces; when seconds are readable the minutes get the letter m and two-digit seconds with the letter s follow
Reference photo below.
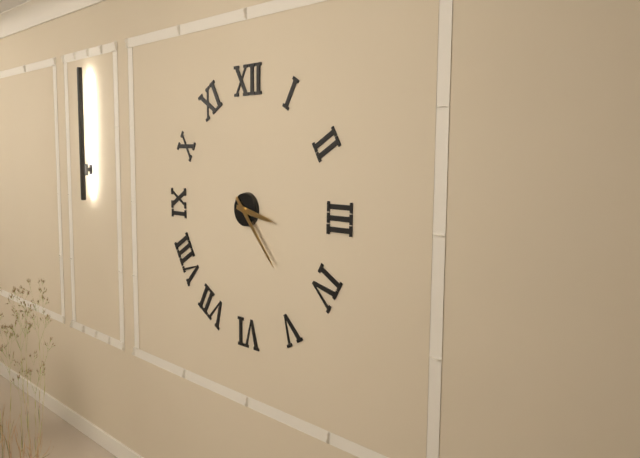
3h23
